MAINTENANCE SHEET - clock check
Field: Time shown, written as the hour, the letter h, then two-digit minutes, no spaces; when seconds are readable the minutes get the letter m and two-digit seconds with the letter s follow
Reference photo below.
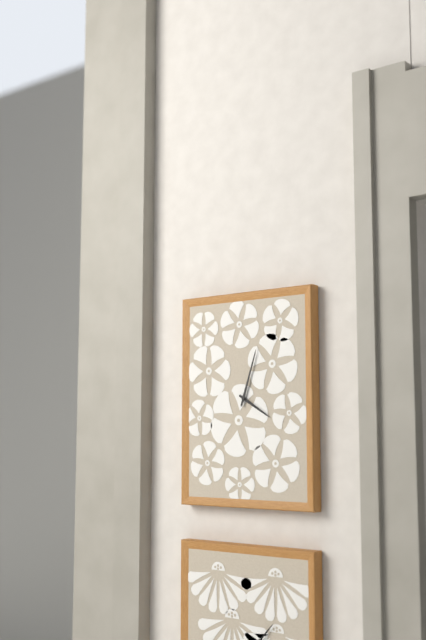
4h03
